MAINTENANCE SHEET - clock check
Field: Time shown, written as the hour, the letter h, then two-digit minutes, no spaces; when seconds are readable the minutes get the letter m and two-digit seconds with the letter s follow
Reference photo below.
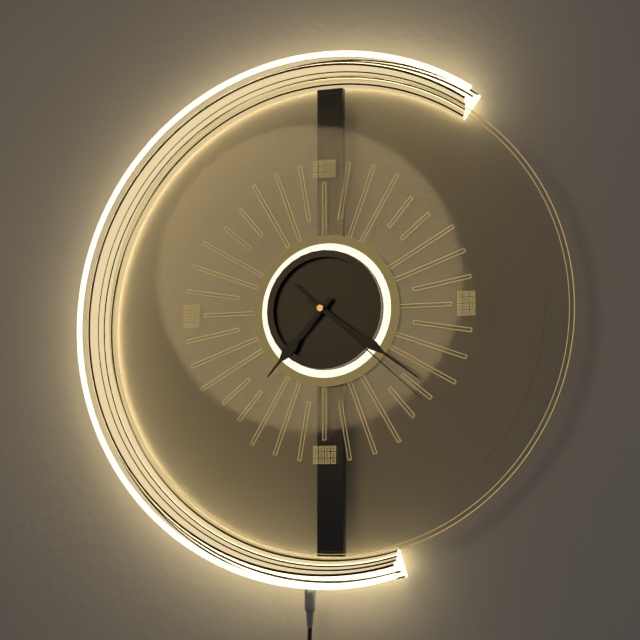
7h21m22s
